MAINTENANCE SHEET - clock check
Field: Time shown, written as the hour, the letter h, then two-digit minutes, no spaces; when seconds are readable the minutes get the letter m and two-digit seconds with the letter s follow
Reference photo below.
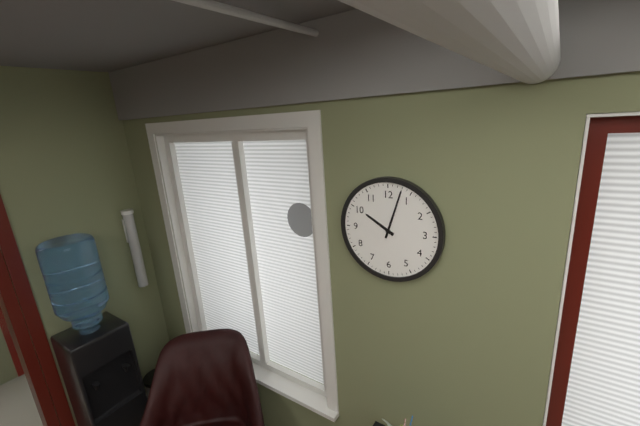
10h03
